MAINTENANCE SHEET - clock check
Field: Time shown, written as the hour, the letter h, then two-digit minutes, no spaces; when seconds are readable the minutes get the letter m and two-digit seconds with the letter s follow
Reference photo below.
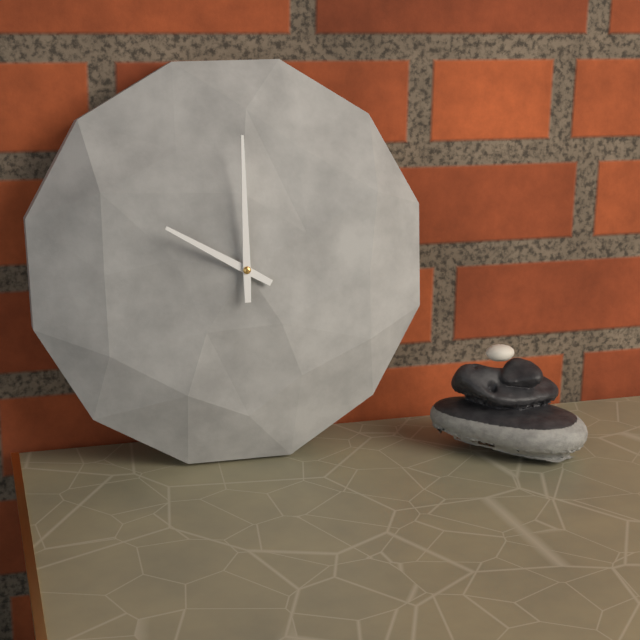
10h00
